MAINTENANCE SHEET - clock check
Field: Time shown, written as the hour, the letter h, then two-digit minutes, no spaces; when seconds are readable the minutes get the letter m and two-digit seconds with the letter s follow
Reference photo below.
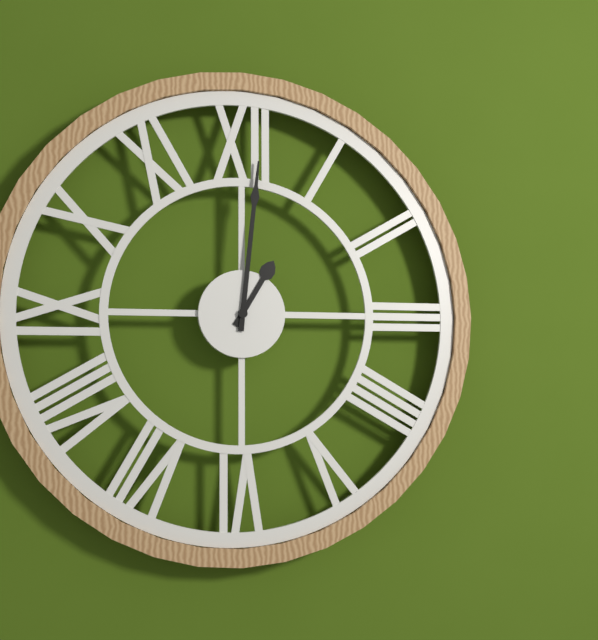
1h01
